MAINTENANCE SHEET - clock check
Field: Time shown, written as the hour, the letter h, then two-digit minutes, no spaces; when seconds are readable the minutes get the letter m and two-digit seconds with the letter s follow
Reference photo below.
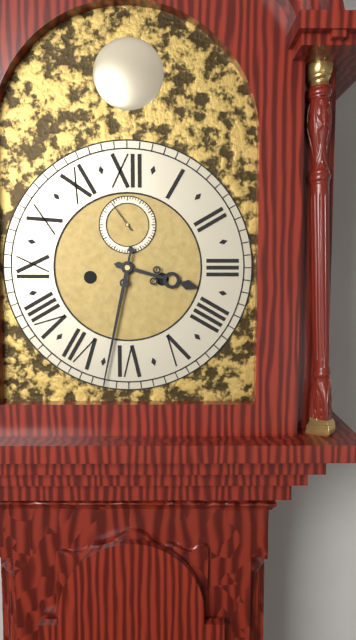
3h32
